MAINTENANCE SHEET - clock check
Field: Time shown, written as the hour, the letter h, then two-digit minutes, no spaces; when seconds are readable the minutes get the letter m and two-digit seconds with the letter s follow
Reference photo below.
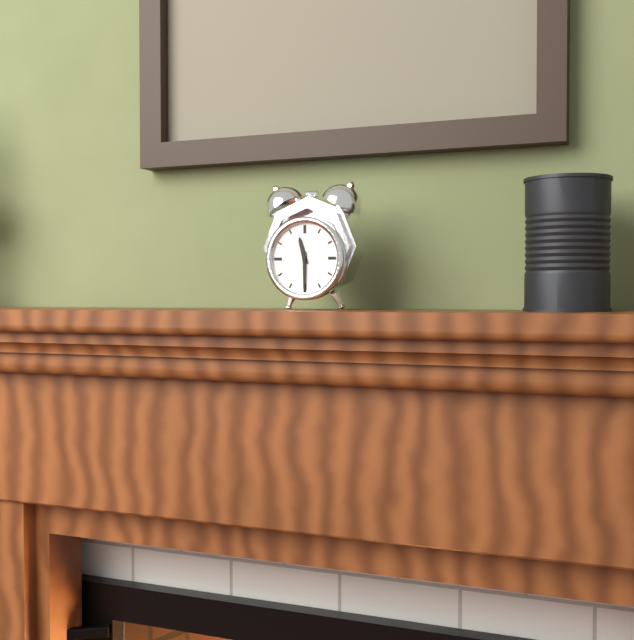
11h30
